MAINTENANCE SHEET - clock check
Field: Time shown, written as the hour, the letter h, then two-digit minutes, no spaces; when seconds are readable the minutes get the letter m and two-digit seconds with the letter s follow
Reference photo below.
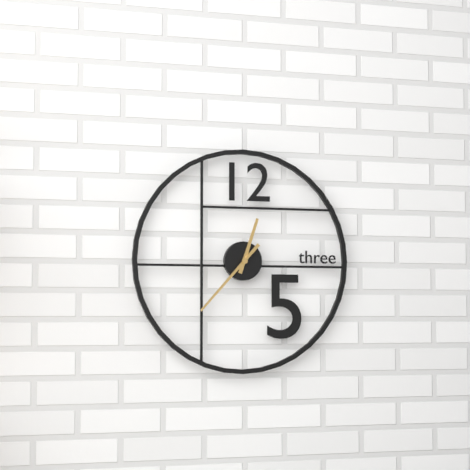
12h37
